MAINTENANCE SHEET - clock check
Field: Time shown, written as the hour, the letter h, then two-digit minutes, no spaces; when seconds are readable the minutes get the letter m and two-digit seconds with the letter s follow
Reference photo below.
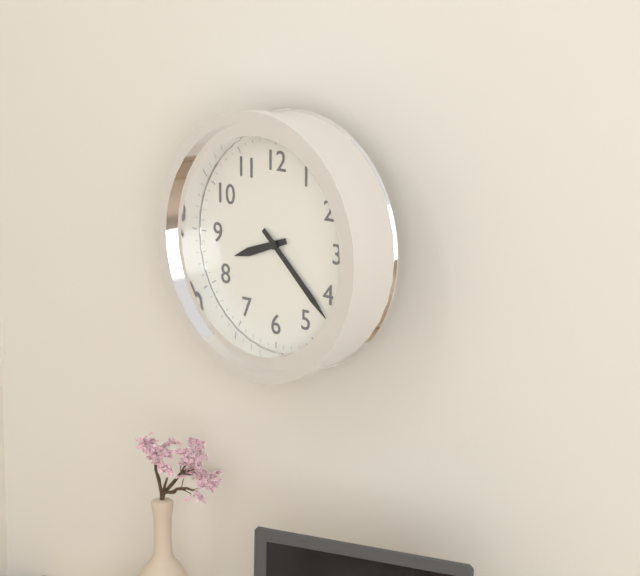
8h22
